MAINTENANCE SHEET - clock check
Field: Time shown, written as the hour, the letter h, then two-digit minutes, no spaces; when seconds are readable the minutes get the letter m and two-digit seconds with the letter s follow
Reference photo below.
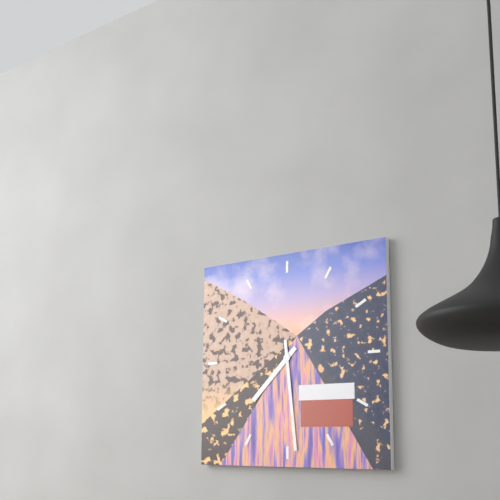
7h29
